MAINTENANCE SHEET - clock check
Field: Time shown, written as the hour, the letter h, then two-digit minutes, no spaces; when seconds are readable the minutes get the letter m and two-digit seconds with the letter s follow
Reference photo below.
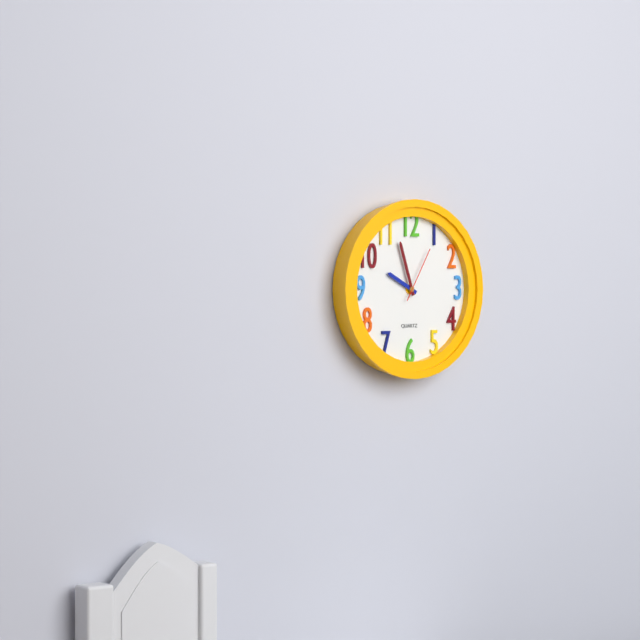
9h57m05s
